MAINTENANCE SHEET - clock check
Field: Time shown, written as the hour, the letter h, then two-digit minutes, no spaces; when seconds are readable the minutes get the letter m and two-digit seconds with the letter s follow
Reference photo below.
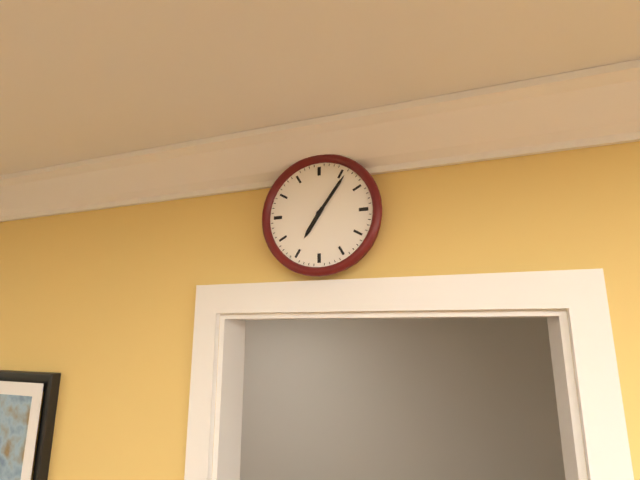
7h06
